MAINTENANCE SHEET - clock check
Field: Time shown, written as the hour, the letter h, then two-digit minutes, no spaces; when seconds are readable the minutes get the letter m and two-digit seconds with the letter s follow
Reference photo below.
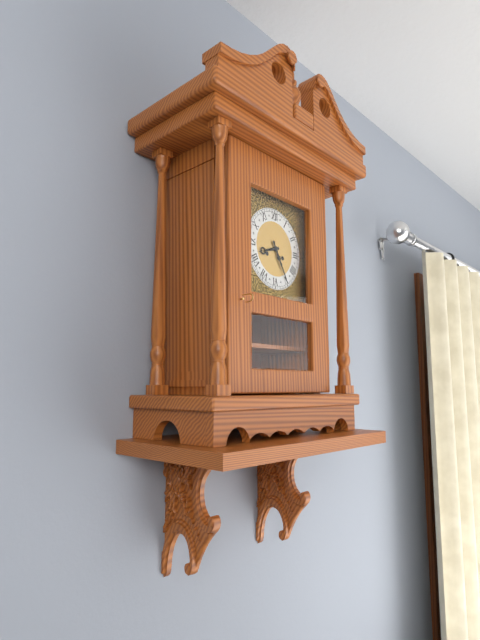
8h25
